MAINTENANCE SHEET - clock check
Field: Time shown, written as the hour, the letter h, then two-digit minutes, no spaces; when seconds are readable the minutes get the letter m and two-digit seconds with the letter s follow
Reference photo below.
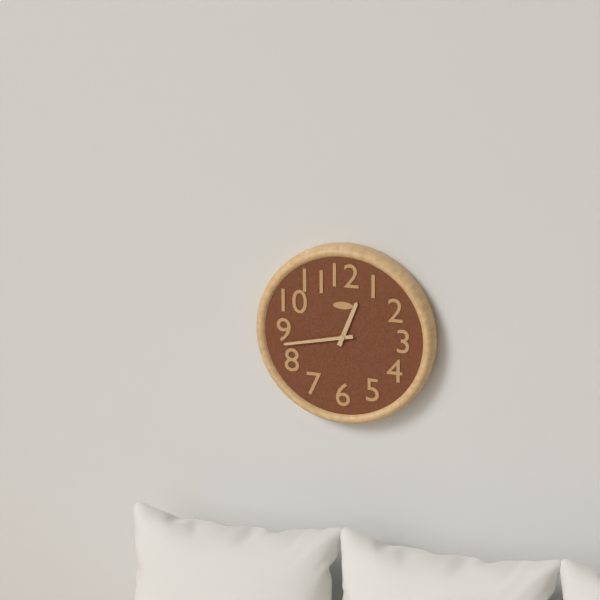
12h43
